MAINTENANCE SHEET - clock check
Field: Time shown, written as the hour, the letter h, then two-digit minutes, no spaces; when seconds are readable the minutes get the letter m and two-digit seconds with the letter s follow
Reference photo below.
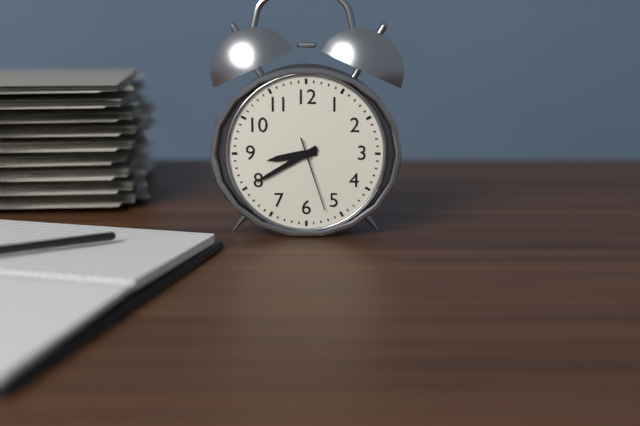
8h40m27s
